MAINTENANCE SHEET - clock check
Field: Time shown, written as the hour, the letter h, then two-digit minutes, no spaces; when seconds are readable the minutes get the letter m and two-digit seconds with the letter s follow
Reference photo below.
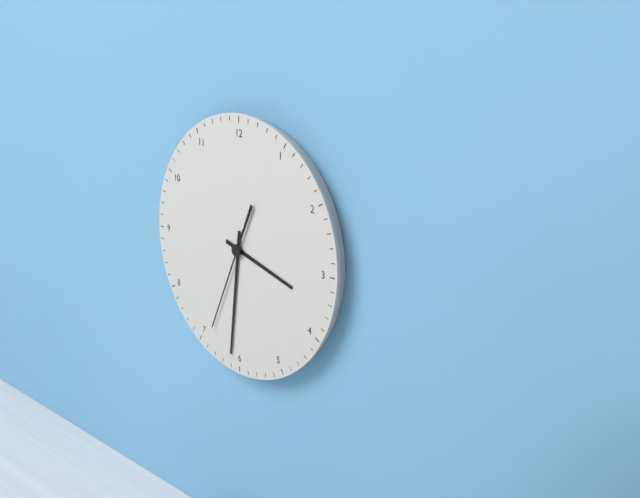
3h31m34s
